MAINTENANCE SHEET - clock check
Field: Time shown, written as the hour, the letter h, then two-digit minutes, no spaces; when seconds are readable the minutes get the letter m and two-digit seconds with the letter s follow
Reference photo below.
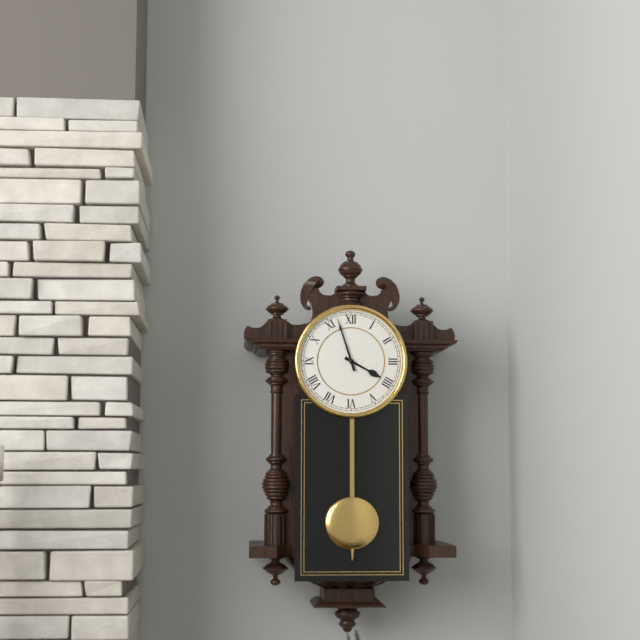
3h57
